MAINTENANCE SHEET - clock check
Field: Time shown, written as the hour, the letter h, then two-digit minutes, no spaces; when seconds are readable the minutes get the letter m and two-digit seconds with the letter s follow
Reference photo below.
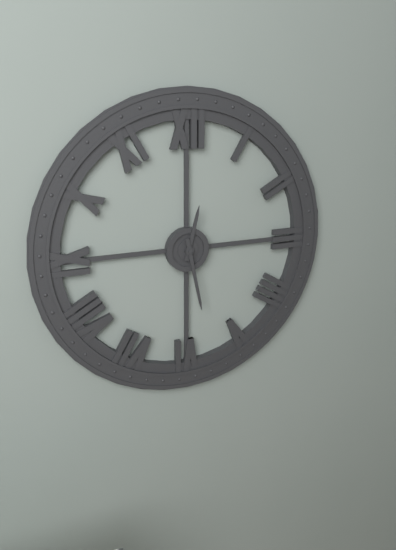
12h28
